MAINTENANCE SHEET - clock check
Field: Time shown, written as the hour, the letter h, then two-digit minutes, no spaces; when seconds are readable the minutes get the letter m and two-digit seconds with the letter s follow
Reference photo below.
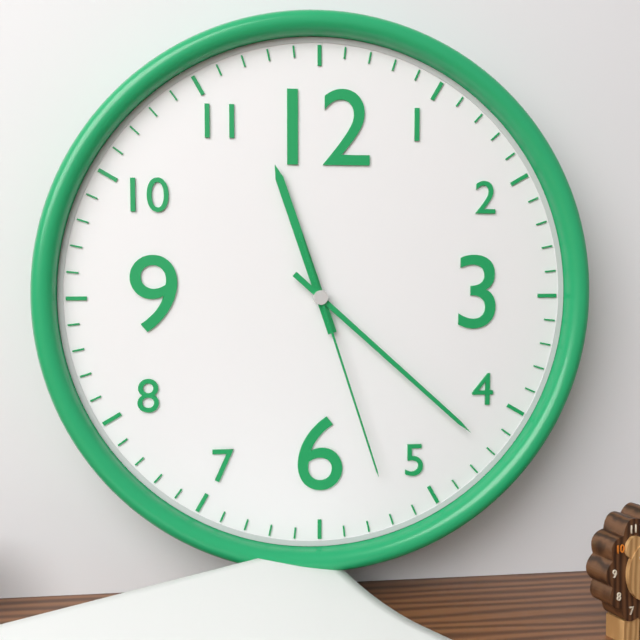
11h22m27s
